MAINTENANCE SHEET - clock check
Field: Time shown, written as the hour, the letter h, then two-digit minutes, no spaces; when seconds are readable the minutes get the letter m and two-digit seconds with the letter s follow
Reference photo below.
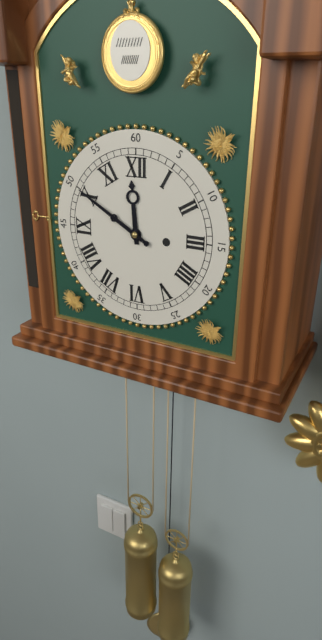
11h50
